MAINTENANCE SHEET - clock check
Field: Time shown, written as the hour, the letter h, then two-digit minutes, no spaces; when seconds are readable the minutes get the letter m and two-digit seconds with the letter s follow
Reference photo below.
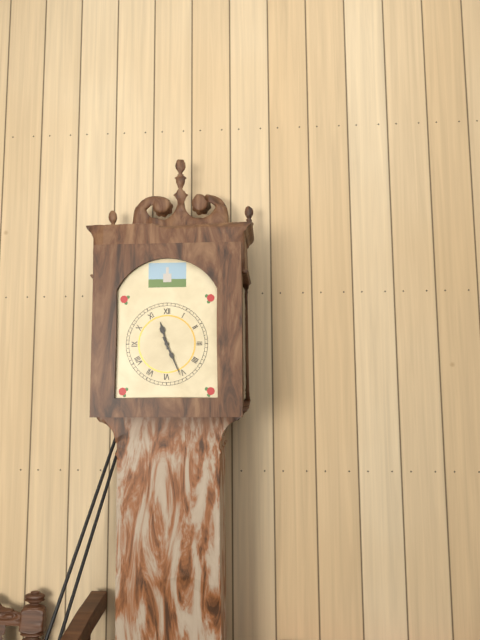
11h26
